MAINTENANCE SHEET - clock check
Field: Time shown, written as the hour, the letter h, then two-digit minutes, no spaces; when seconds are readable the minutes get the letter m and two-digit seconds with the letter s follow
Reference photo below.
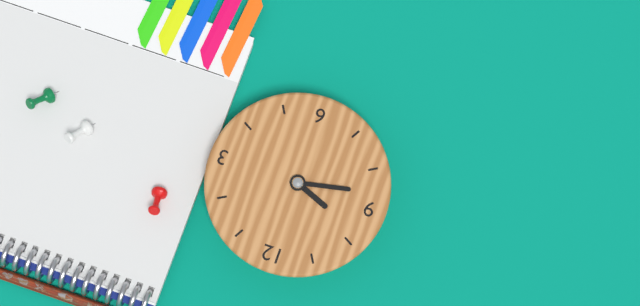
9h43
